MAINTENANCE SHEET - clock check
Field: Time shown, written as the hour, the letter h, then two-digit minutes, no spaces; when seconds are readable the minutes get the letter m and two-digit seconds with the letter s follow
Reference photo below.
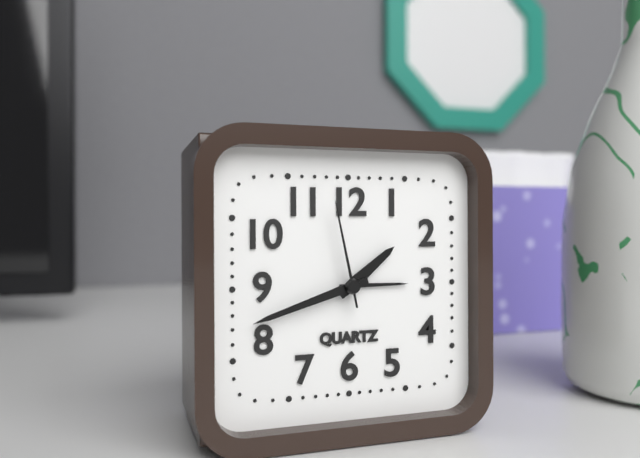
1h42m58s
